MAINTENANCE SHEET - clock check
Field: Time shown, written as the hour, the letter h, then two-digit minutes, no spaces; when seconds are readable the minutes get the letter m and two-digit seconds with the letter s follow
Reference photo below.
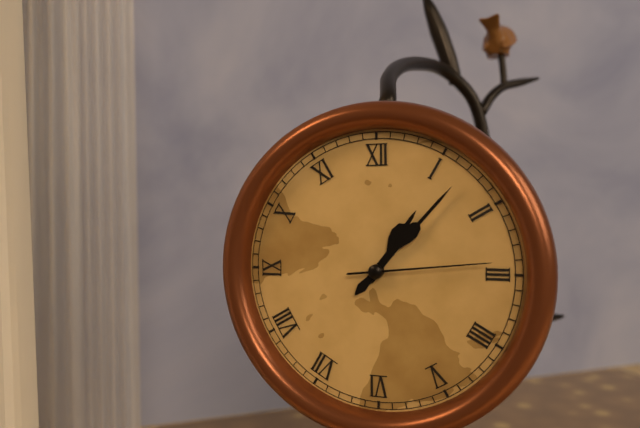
1h07m14s
